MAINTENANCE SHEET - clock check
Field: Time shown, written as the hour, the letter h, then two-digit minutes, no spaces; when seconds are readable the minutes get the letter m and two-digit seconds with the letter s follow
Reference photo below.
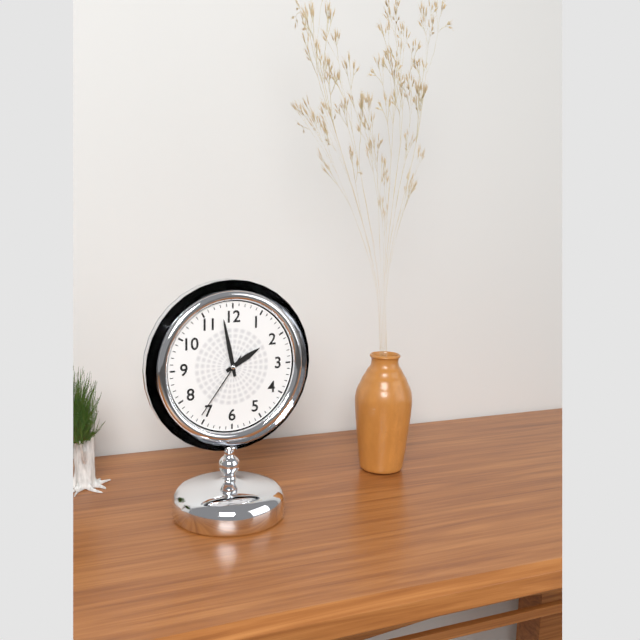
1h58m36s
